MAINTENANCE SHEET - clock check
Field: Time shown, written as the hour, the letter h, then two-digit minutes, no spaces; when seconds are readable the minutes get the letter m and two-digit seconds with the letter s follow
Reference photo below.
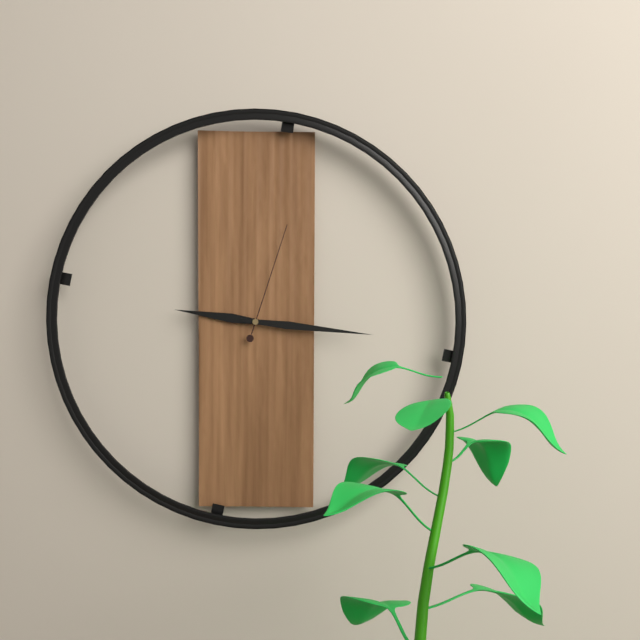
9h16m03s
